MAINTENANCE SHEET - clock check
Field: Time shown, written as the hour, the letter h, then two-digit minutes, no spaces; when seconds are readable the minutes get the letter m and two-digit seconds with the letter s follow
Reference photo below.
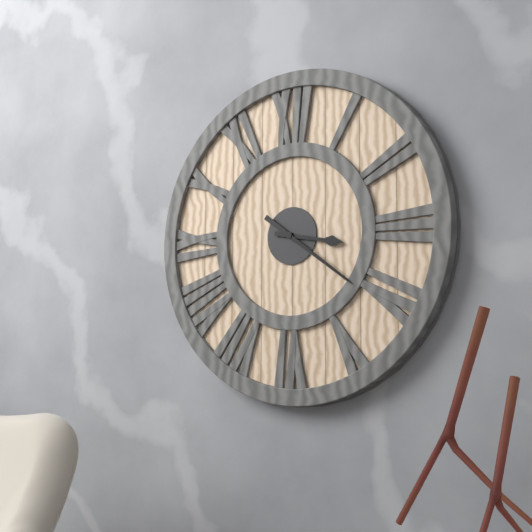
3h21
